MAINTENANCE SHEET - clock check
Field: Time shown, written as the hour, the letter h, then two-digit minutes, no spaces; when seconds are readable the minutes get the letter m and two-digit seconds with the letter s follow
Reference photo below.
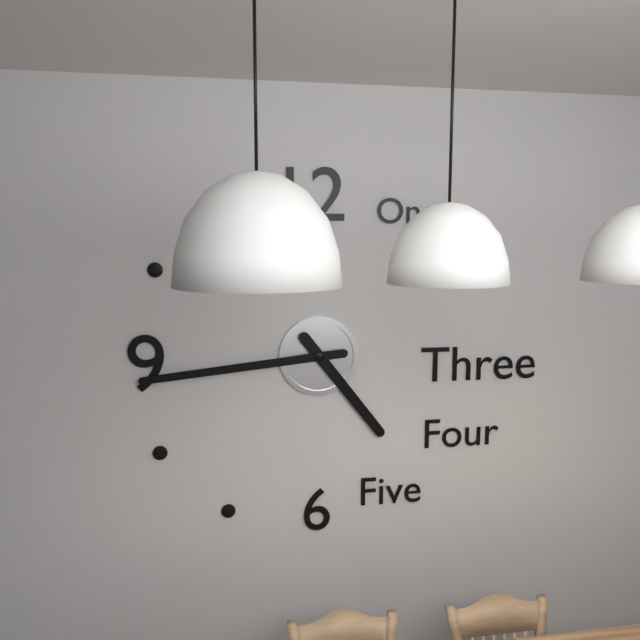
4h44
